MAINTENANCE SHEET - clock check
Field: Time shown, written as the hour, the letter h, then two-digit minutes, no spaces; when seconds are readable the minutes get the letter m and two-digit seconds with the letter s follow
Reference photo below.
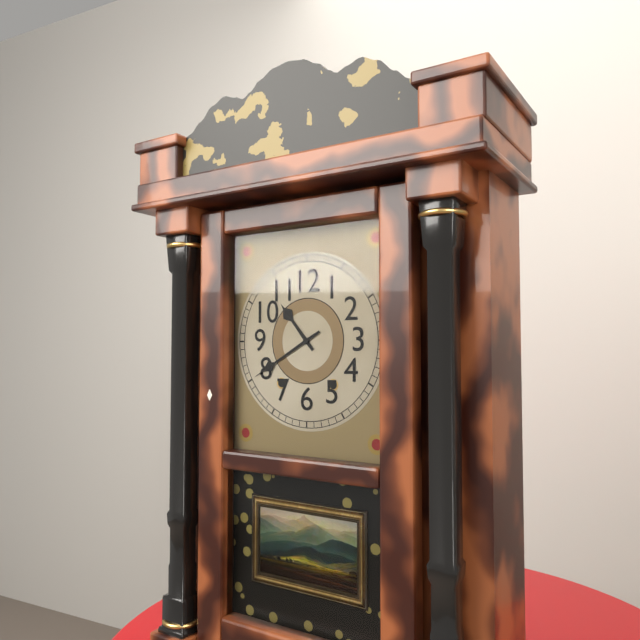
10h40
